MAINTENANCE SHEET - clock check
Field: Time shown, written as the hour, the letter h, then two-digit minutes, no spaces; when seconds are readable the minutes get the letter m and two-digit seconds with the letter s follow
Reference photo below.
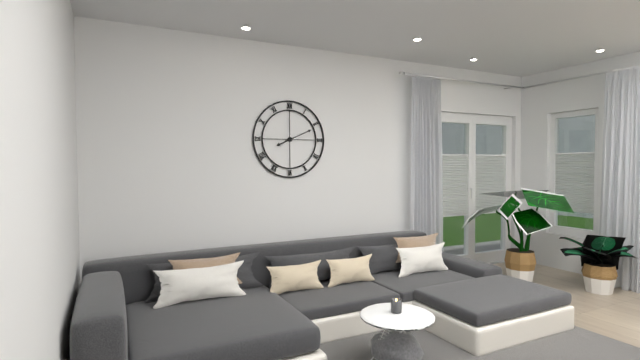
8h11
